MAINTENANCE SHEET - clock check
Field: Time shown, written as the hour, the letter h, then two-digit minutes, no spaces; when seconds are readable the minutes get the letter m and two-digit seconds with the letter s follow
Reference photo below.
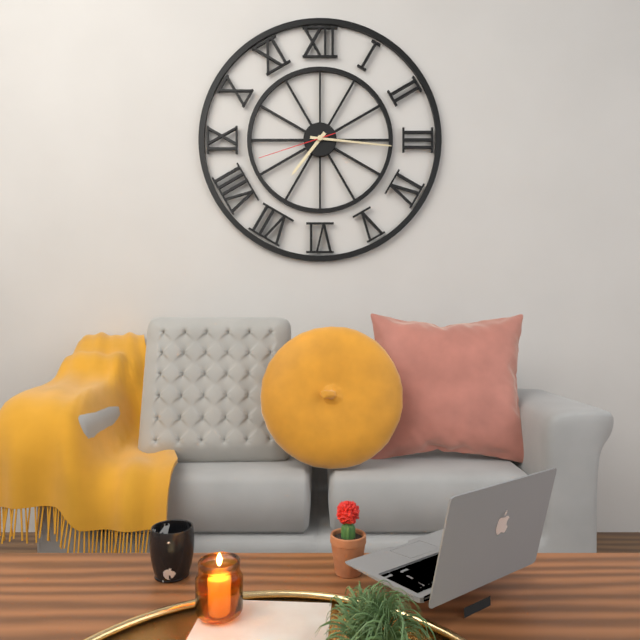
7h16m42s
